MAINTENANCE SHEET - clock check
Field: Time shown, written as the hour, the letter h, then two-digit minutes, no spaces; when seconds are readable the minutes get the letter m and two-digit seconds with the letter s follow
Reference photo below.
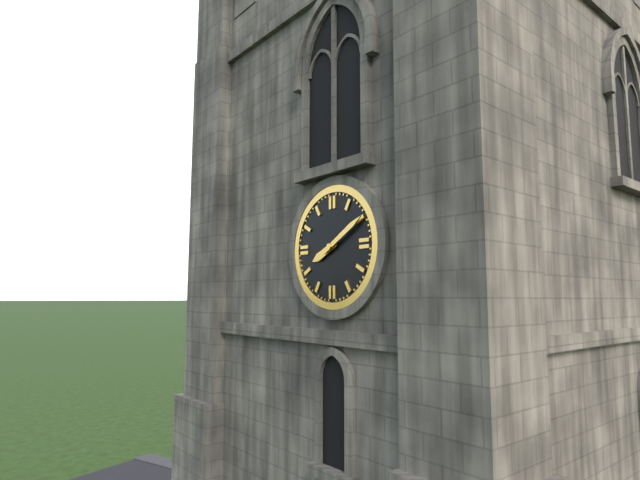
8h10
